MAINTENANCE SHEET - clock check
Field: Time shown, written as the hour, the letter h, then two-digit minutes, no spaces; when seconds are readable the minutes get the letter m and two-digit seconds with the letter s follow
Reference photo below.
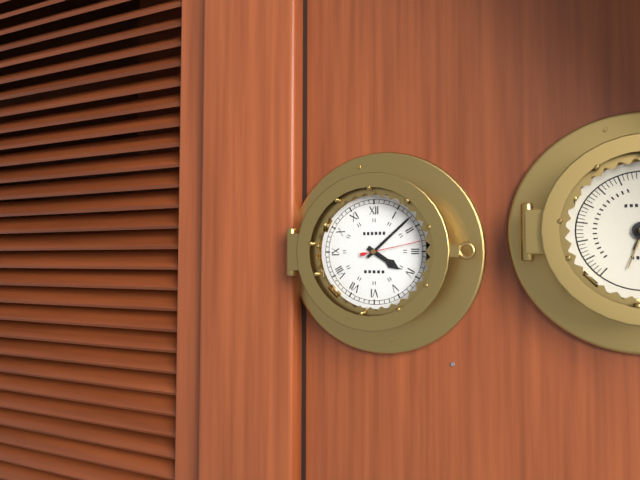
4h08m13s
